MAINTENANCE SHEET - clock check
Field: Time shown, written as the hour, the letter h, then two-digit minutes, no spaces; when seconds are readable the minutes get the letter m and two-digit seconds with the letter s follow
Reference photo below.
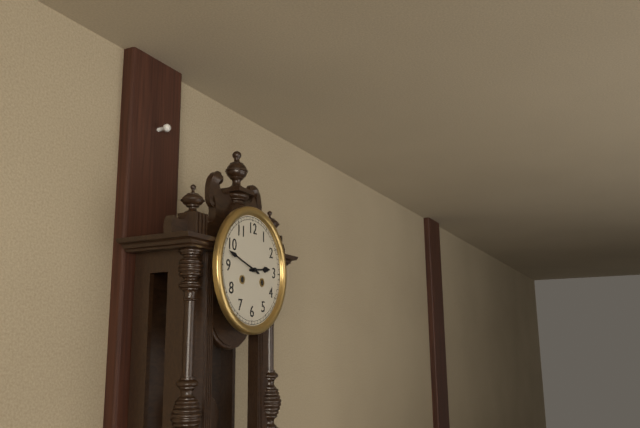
2h48
